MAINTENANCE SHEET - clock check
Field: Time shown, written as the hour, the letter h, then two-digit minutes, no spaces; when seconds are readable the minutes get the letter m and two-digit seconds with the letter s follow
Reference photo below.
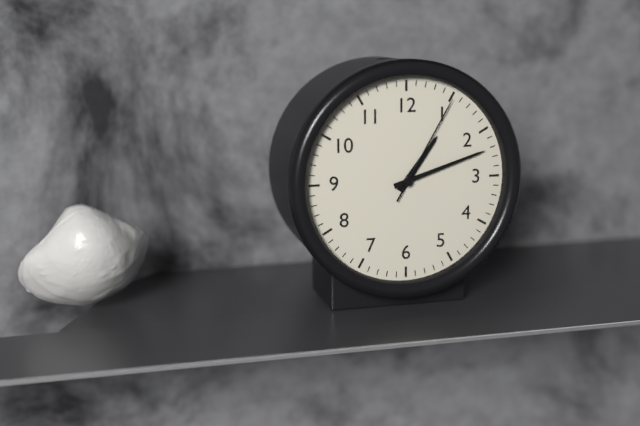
1h12m05s
